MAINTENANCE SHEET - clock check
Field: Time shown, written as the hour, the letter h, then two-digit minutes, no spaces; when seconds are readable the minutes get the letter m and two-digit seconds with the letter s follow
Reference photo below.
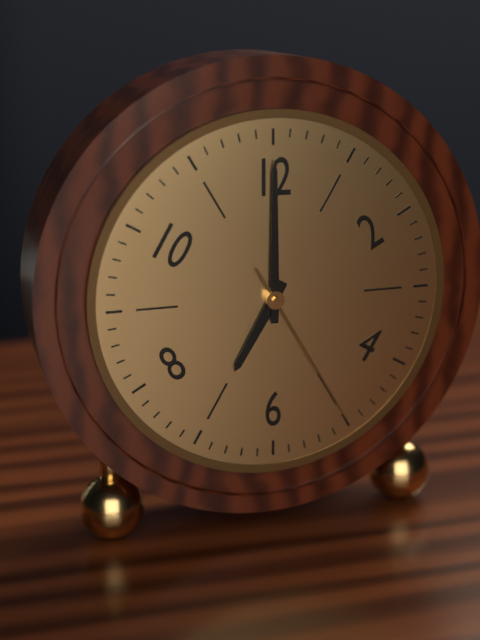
7h00m25s
